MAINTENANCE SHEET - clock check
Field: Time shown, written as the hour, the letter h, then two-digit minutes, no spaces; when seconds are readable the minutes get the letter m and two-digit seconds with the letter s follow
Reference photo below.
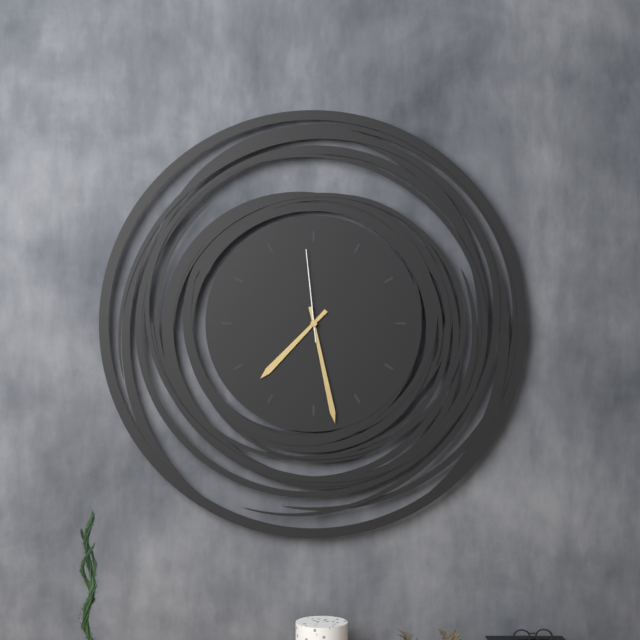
7h28m59s
